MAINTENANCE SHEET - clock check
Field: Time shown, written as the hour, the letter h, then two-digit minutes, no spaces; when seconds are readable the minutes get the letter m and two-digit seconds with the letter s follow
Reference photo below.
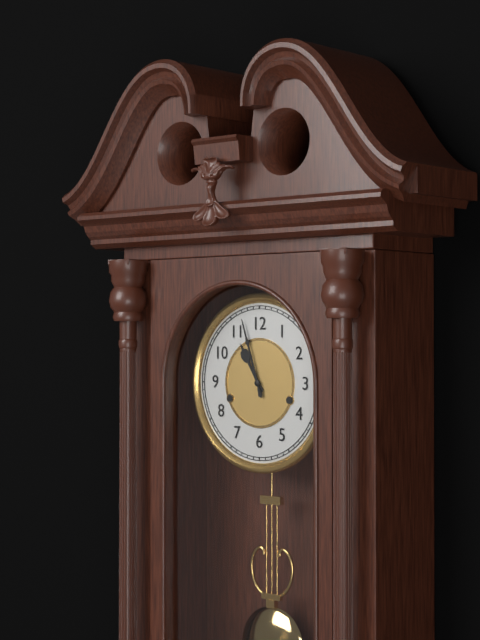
10h57
